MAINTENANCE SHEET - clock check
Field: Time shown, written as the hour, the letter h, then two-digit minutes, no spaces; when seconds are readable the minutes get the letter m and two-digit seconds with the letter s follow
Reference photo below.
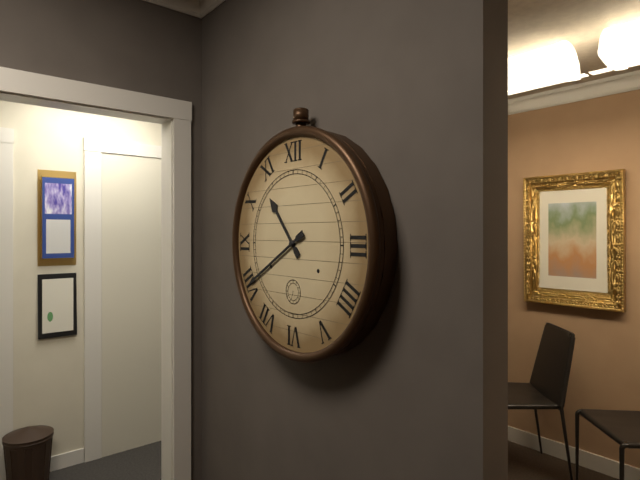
10h40
